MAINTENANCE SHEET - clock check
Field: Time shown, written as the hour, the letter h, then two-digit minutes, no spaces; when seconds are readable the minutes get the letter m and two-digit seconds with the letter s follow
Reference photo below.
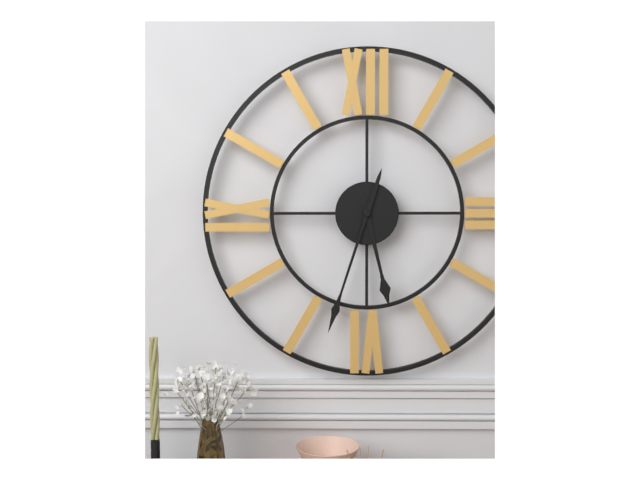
5h33
